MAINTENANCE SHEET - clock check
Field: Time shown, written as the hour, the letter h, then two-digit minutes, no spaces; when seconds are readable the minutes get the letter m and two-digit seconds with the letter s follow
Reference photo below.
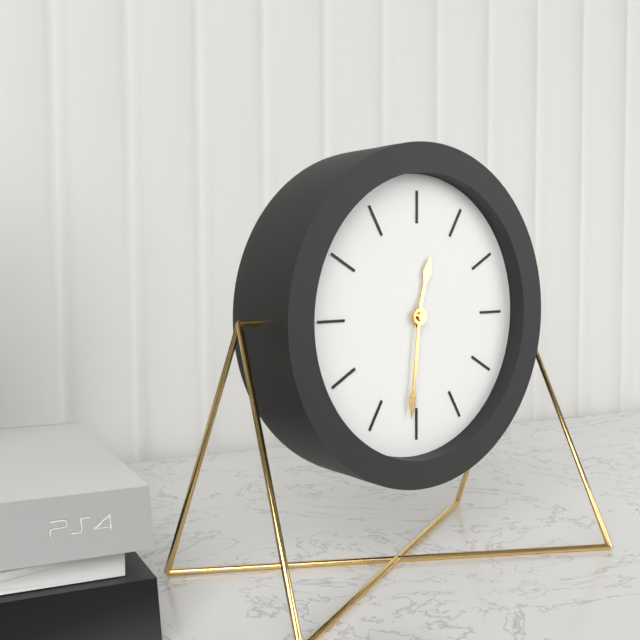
12h31
